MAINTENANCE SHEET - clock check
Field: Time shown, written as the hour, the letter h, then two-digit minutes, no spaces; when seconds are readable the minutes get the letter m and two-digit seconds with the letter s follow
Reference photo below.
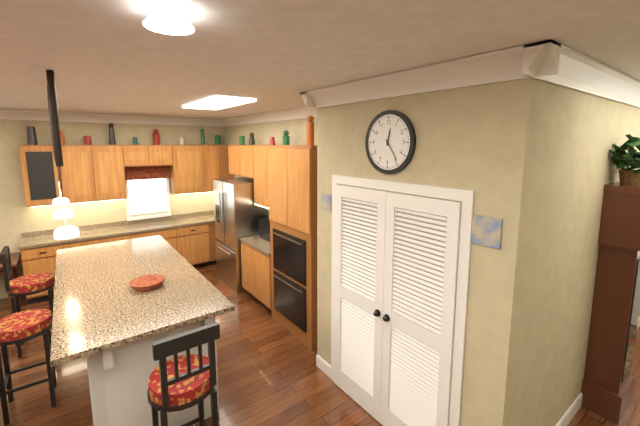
12h24
